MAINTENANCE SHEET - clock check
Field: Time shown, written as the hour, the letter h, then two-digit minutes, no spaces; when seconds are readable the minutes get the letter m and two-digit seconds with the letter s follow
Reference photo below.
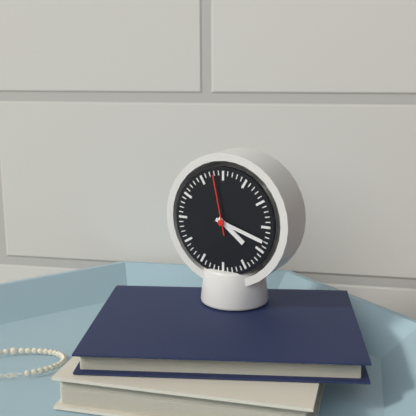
4h18m58s
